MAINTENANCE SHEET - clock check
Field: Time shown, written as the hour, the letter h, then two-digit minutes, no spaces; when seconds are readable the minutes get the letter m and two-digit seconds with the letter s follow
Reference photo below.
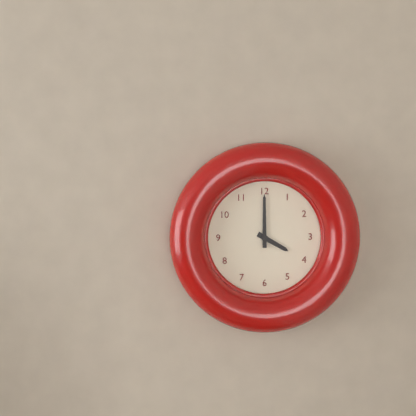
4h00
